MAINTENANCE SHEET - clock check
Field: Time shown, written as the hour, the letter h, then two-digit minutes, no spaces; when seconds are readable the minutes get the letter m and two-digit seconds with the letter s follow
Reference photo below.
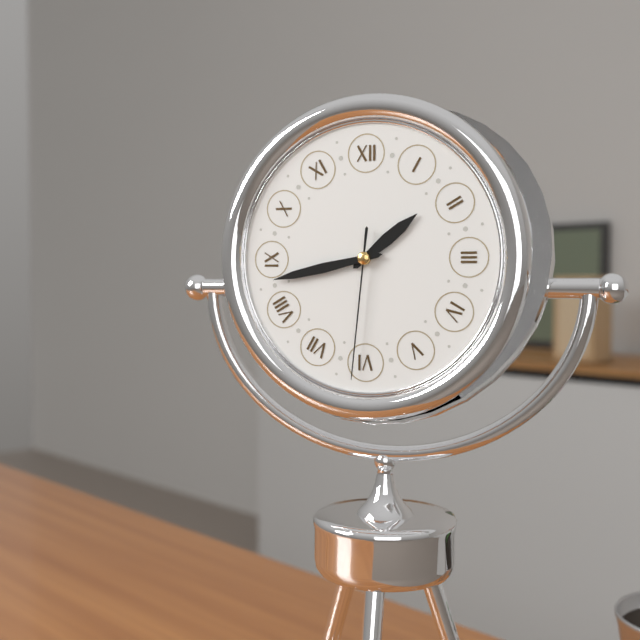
1h43m31s
